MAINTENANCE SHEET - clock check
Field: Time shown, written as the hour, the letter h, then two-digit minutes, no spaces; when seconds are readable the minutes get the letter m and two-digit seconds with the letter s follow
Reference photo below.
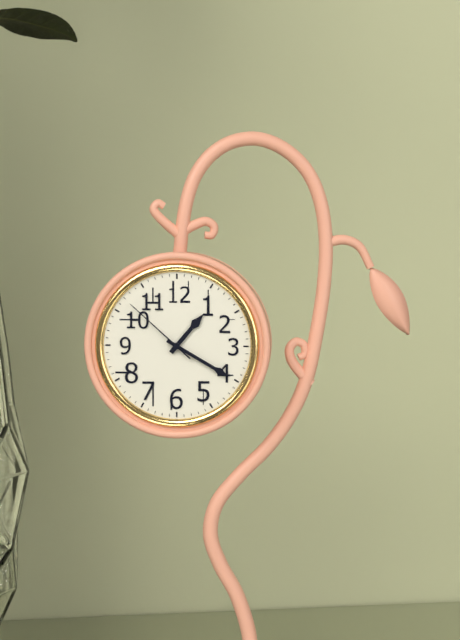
1h20m52s
